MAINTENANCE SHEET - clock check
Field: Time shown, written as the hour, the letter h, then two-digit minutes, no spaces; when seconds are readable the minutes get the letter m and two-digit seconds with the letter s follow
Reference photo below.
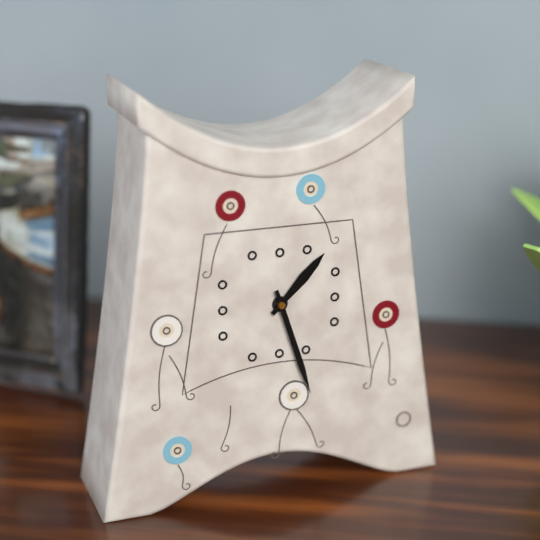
1h27
